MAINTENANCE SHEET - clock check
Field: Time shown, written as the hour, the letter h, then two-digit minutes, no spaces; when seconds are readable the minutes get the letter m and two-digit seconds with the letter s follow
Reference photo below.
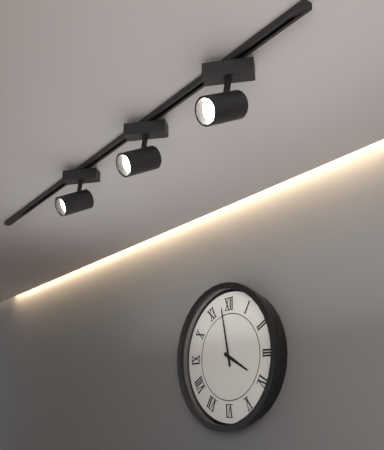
3h58
